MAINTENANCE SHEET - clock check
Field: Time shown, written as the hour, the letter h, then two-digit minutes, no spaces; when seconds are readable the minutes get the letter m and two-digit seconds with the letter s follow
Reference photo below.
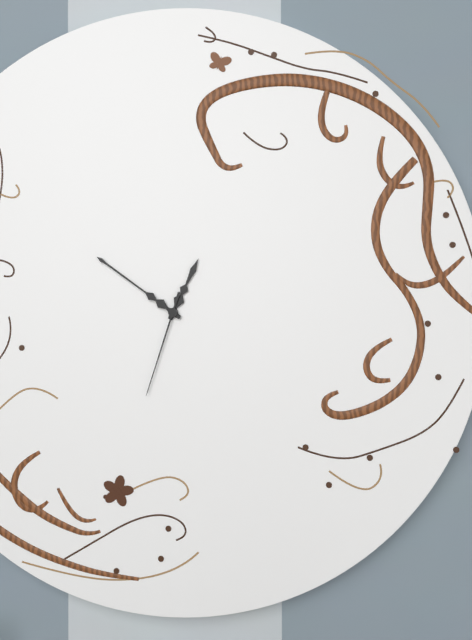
12h51m33s
